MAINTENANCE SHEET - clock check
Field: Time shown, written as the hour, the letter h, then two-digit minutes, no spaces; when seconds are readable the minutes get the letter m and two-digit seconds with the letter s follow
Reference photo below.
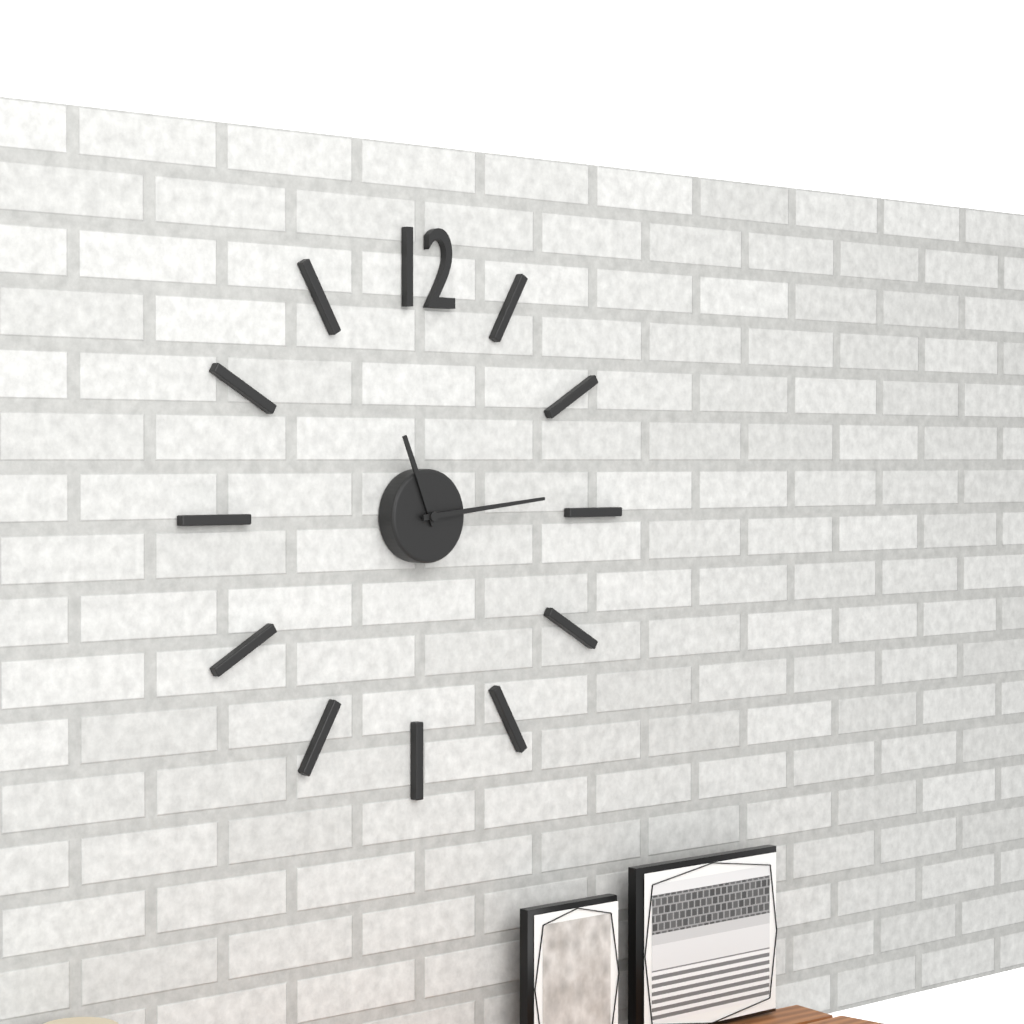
11h14
